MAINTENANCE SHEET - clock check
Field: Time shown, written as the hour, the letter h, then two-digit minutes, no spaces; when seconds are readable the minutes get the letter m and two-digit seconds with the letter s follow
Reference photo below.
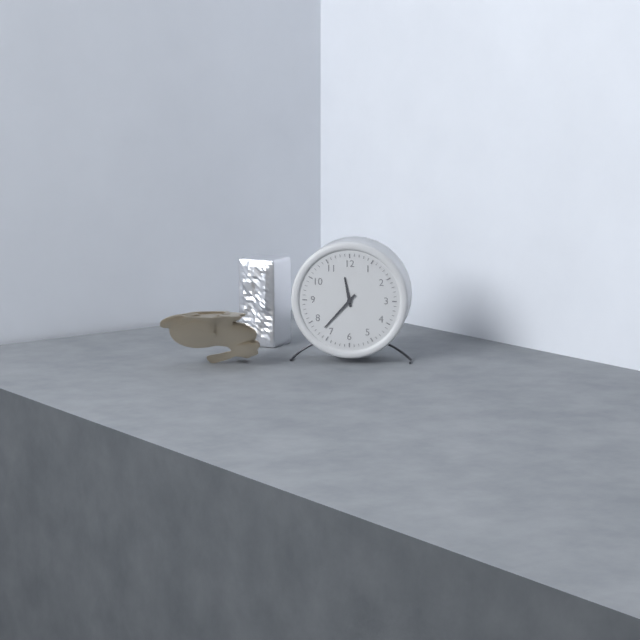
11h37
